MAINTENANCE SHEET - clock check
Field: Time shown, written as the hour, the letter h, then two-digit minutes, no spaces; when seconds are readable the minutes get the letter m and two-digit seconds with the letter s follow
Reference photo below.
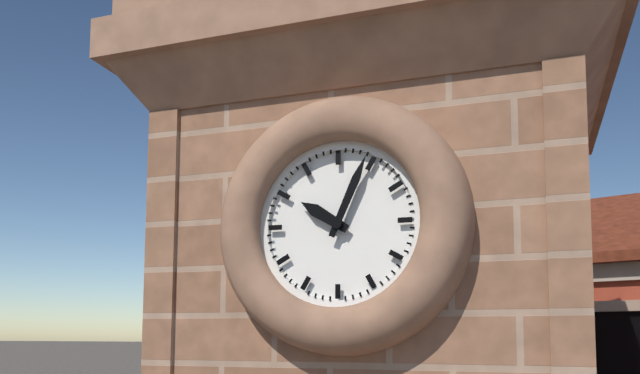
10h04
